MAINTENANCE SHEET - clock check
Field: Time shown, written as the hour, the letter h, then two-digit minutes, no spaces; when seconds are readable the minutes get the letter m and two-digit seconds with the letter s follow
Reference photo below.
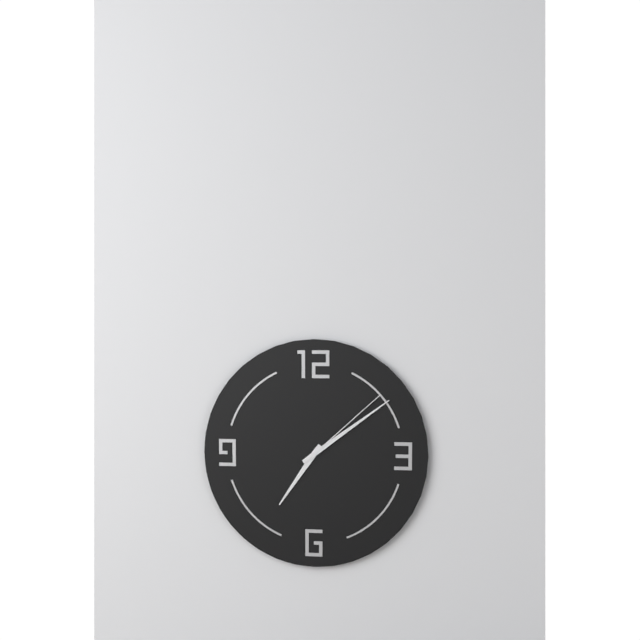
7h09m08s
